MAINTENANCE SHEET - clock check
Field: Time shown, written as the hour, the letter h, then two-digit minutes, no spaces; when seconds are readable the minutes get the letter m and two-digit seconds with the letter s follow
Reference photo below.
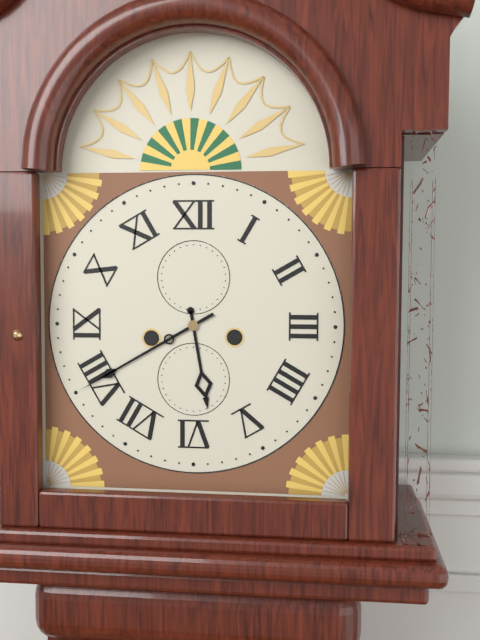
5h40
